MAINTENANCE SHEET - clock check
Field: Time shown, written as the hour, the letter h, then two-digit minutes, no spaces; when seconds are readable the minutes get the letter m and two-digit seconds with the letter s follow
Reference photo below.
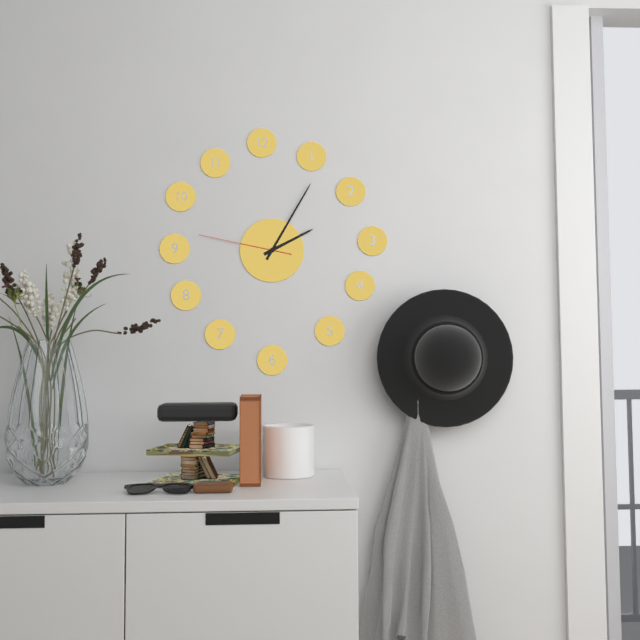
2h05m47s
